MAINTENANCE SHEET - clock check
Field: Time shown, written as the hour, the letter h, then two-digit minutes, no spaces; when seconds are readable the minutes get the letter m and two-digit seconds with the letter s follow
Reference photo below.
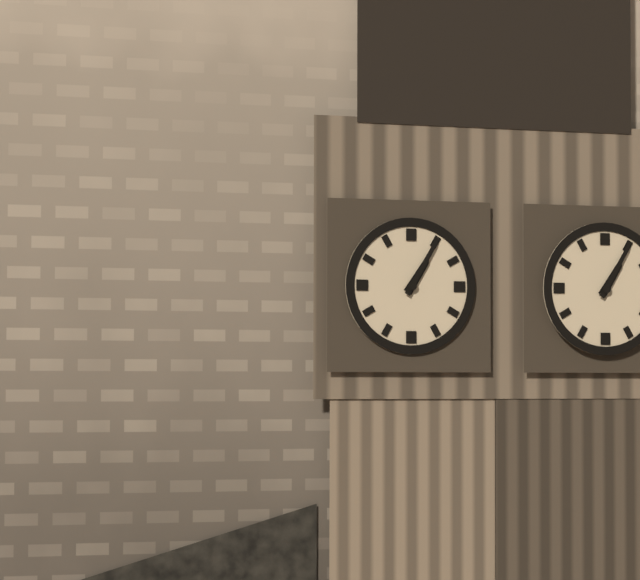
1h05
